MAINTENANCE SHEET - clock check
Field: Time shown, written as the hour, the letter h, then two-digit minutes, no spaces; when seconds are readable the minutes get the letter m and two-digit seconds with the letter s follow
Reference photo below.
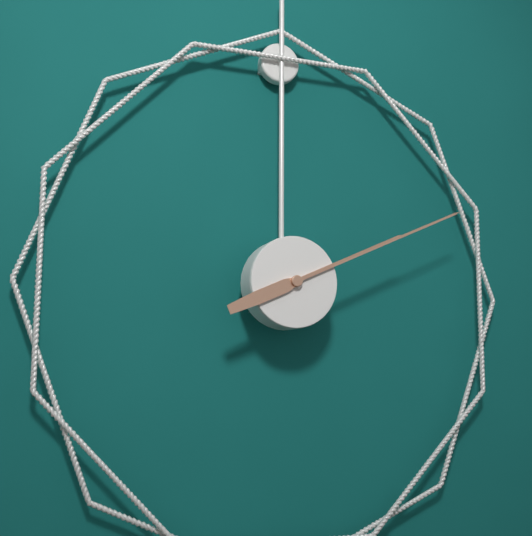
2h11
